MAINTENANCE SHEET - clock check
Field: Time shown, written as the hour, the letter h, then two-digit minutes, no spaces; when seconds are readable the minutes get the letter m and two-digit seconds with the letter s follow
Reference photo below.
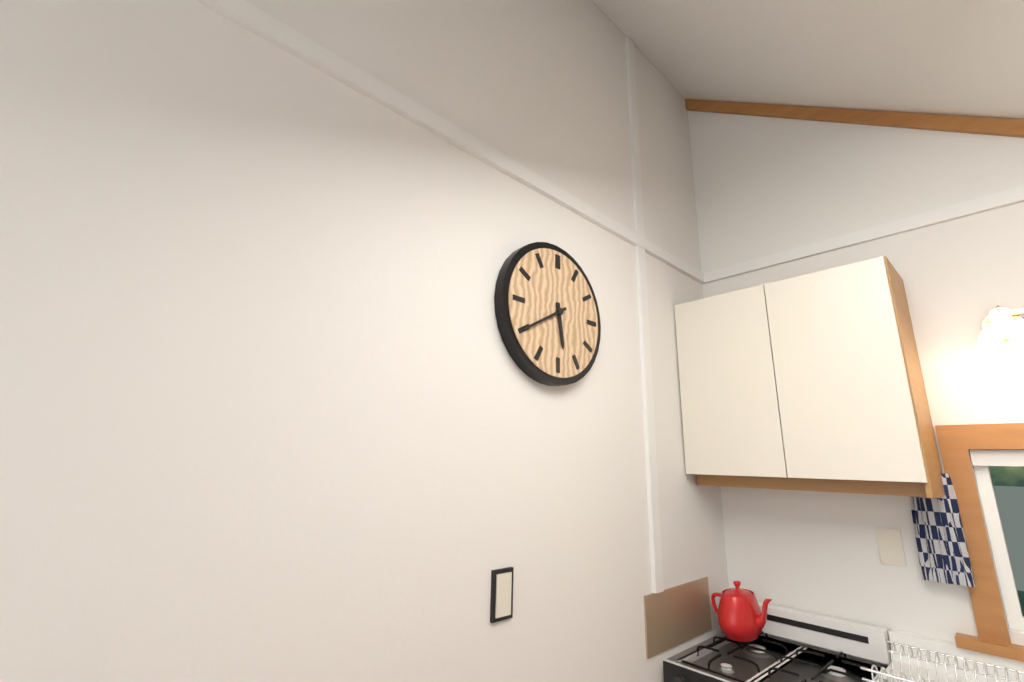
5h40
